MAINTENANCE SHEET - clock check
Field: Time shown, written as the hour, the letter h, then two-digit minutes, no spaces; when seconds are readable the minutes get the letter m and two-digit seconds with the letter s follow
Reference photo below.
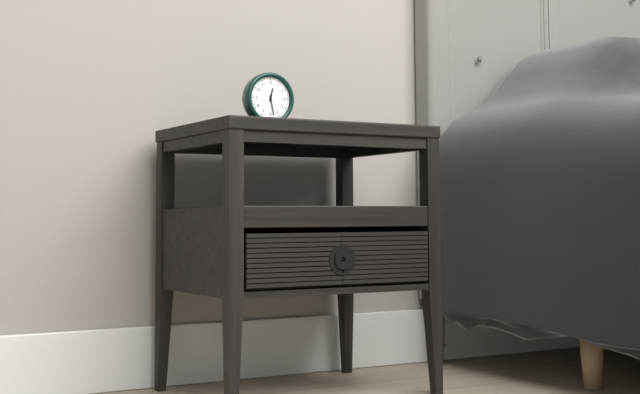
12h28
